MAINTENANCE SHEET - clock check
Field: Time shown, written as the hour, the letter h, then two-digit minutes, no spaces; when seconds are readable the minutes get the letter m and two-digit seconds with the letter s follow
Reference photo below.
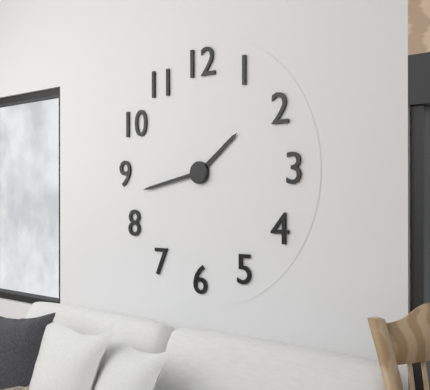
1h43
